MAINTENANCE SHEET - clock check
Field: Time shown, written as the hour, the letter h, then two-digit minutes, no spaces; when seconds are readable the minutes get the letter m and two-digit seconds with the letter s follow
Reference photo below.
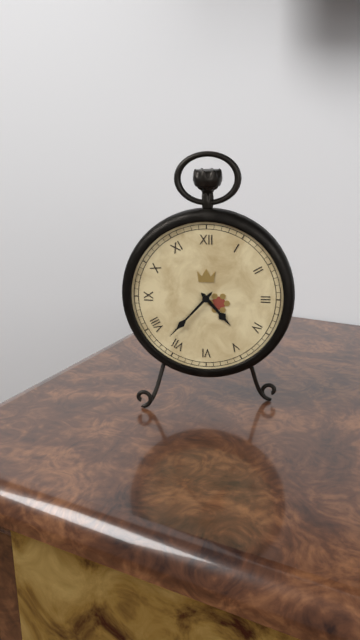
4h37
